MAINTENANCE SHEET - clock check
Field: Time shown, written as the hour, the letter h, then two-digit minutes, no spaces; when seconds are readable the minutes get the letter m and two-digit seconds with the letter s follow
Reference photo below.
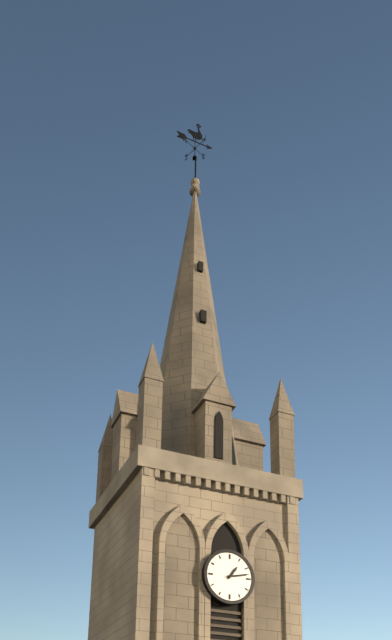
1h13
